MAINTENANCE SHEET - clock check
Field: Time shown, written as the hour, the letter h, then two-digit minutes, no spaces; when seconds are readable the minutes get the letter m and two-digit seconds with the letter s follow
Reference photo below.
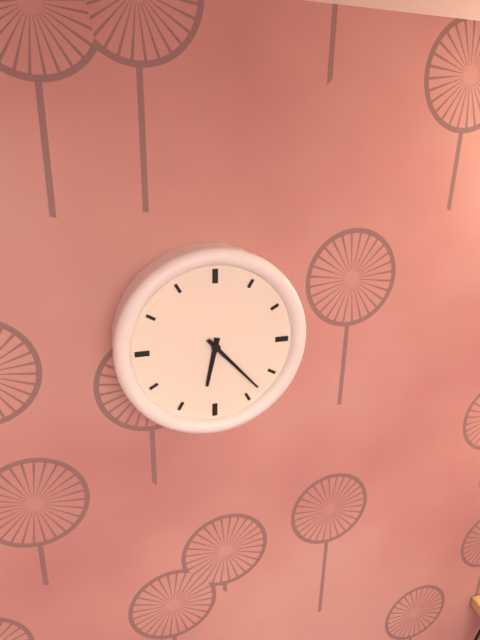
6h23
